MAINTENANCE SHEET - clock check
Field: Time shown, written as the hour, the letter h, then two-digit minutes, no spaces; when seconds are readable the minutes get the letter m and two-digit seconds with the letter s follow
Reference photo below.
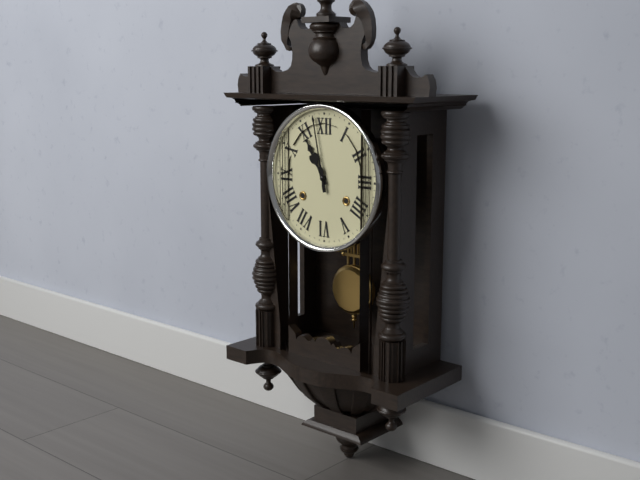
10h58
